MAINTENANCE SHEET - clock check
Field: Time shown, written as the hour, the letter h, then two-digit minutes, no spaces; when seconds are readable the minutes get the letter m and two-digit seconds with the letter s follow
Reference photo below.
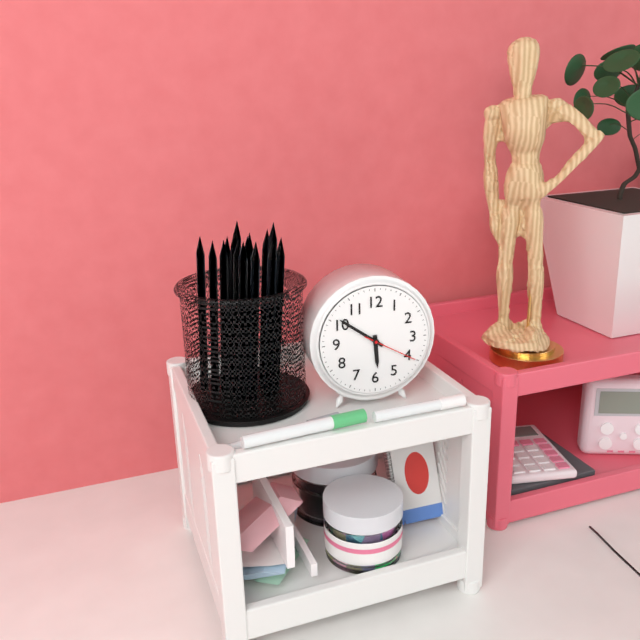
5h51m20s
